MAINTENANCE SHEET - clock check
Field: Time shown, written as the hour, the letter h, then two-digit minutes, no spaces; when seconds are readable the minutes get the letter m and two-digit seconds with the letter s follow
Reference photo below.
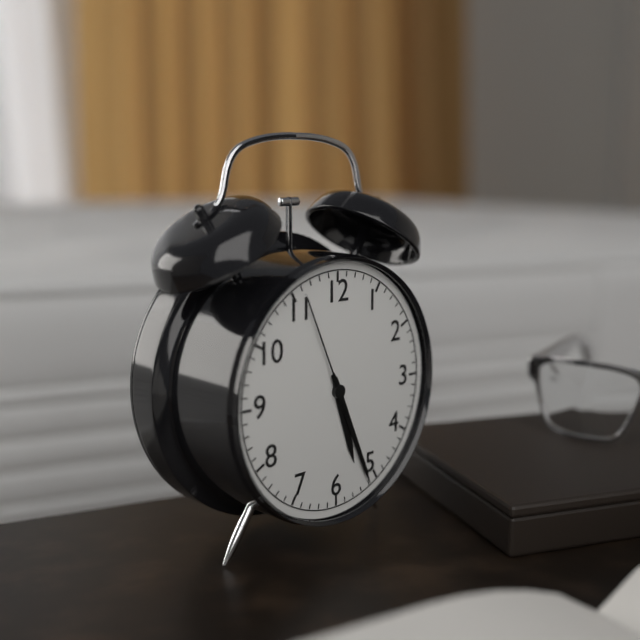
5h26m56s
